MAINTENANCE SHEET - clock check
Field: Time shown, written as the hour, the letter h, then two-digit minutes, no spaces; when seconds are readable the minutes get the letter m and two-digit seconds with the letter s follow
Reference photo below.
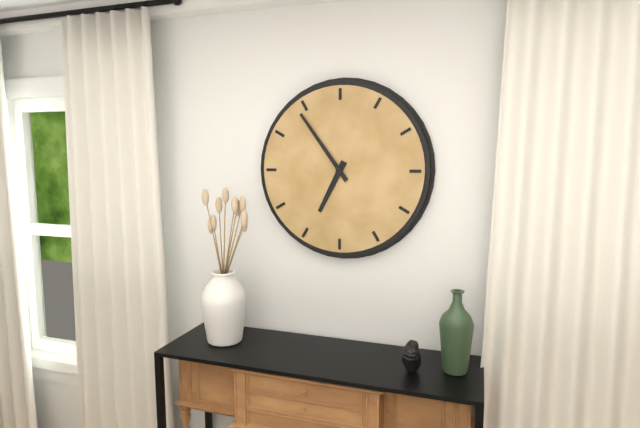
6h54
